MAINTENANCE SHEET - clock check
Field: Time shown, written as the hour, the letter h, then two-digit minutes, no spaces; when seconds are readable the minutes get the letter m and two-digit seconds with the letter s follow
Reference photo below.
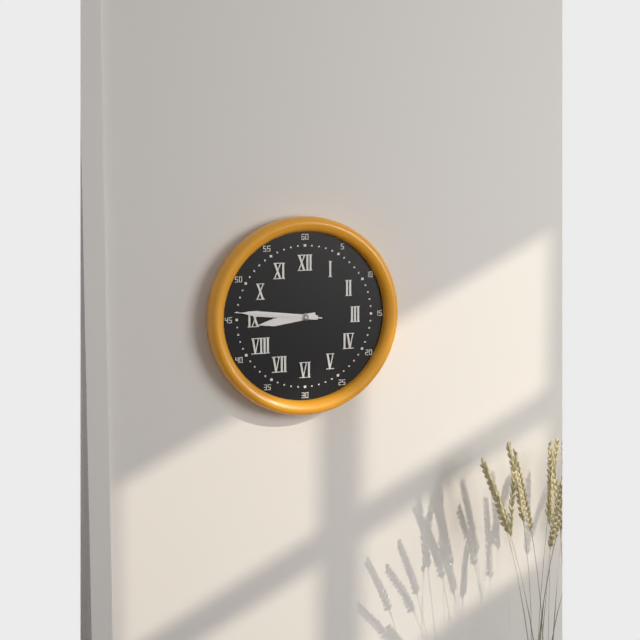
8h46m46s
